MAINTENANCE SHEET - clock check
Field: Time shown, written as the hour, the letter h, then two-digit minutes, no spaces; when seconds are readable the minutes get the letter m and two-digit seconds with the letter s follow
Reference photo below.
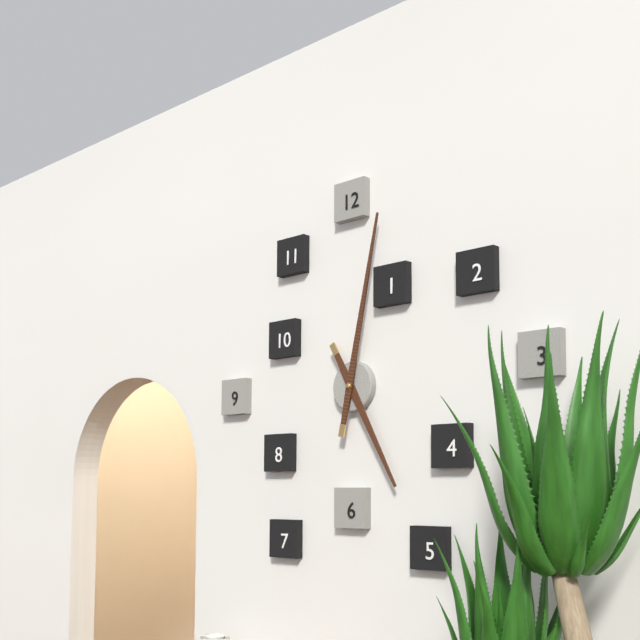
5h02
